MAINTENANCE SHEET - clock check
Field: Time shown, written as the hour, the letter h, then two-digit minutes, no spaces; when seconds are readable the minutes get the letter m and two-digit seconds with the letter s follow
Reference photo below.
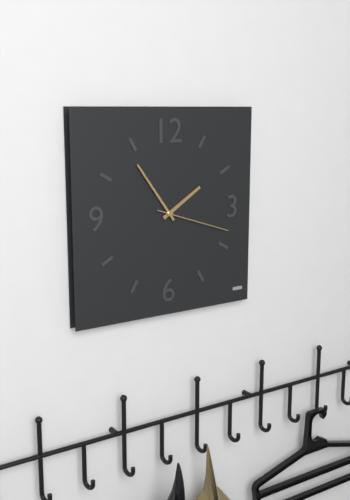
1h54m18s
